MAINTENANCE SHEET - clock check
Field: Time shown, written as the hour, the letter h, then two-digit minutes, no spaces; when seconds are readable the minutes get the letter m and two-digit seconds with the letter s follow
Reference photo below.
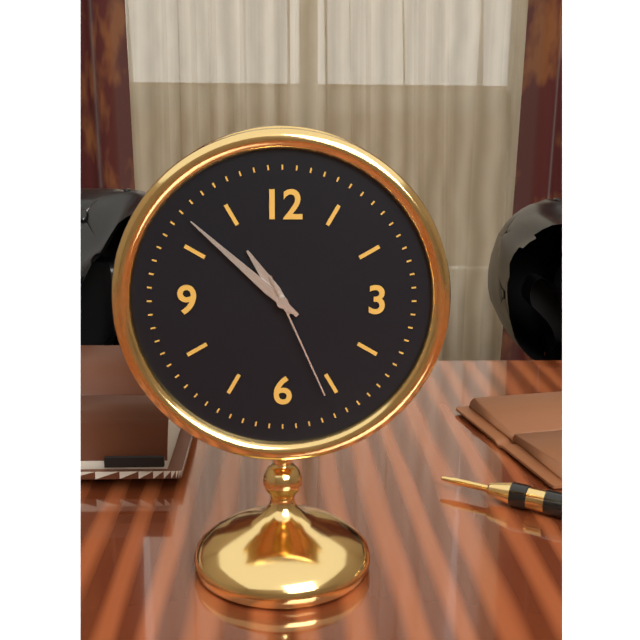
10h52m26s
